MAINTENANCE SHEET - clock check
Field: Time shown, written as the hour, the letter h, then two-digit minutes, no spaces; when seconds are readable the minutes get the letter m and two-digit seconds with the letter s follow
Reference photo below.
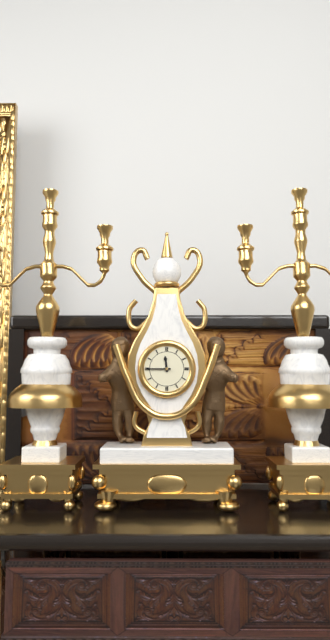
11h45
